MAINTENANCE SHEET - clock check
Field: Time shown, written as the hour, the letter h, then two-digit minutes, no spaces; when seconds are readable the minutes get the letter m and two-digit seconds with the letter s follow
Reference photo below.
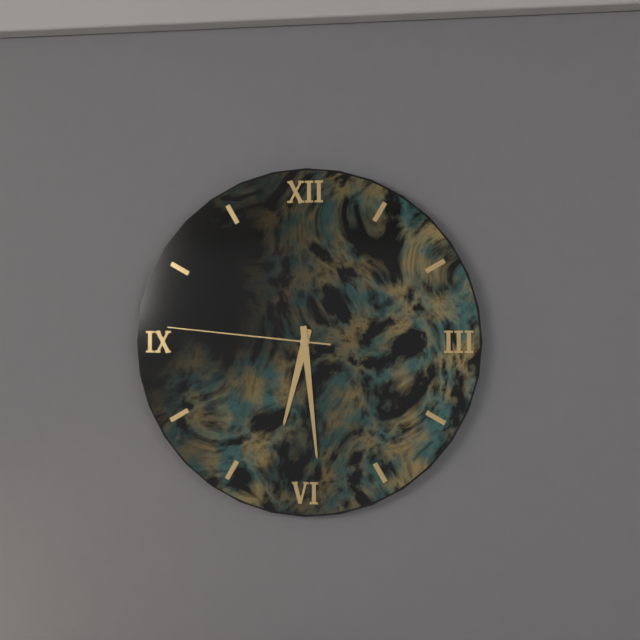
6h29m46s
